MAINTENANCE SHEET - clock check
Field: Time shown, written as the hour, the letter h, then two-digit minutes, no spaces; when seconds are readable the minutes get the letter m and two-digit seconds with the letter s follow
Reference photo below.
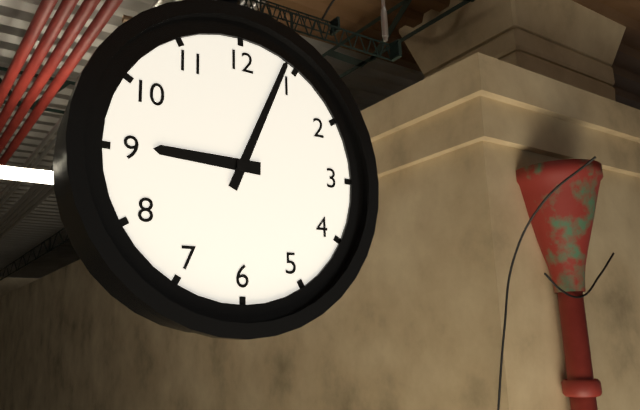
9h04
